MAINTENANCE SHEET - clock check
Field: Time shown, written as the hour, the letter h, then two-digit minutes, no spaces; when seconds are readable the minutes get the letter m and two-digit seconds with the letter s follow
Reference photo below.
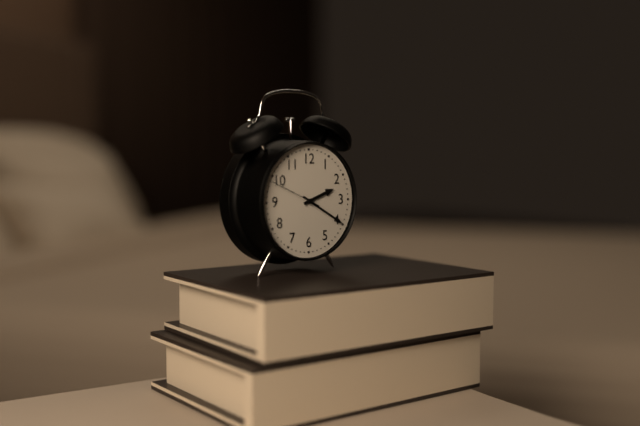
2h20
